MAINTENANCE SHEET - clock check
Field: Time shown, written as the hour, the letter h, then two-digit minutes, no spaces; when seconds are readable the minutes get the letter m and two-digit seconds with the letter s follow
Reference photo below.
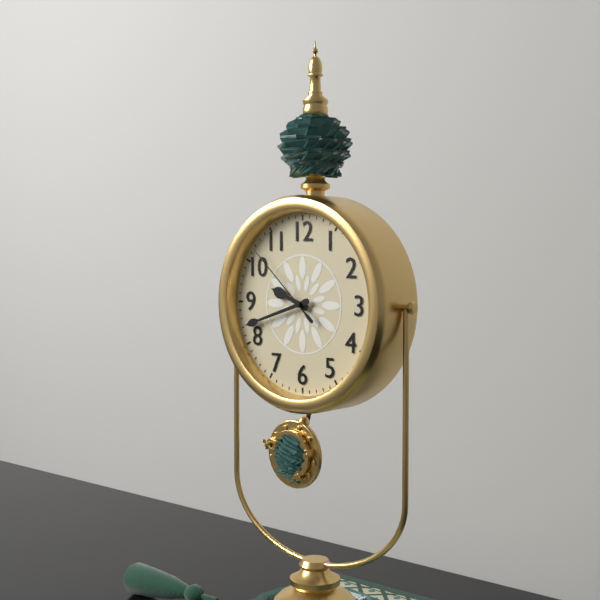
9h42m52s
